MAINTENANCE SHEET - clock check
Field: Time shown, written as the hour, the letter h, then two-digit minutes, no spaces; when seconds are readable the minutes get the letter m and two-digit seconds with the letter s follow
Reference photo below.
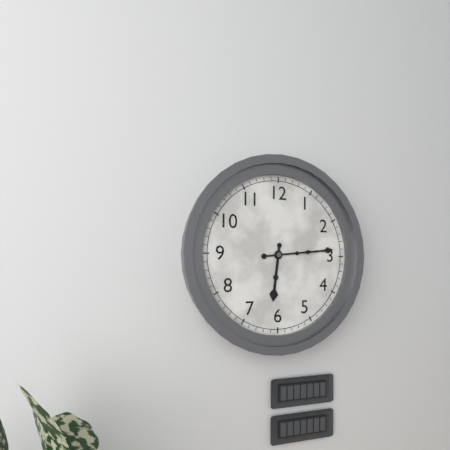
6h14
